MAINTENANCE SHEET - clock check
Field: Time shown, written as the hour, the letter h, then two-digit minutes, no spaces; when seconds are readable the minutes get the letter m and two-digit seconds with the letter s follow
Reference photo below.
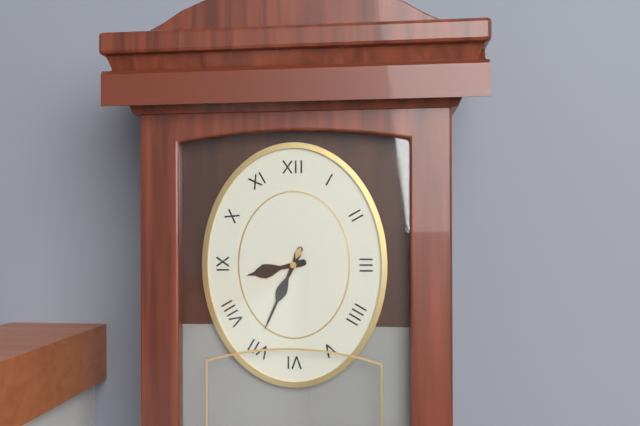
8h34
